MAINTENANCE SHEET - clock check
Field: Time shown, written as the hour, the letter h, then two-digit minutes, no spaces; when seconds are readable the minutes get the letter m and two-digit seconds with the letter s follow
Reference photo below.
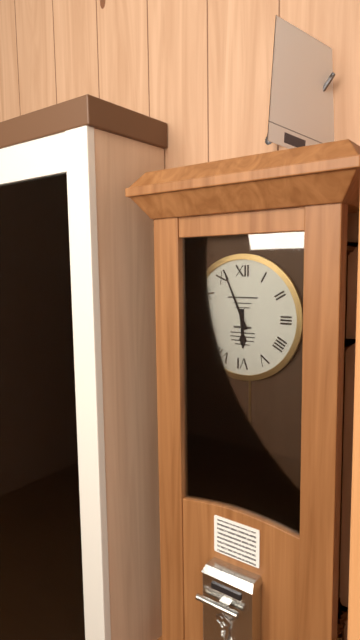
5h56
